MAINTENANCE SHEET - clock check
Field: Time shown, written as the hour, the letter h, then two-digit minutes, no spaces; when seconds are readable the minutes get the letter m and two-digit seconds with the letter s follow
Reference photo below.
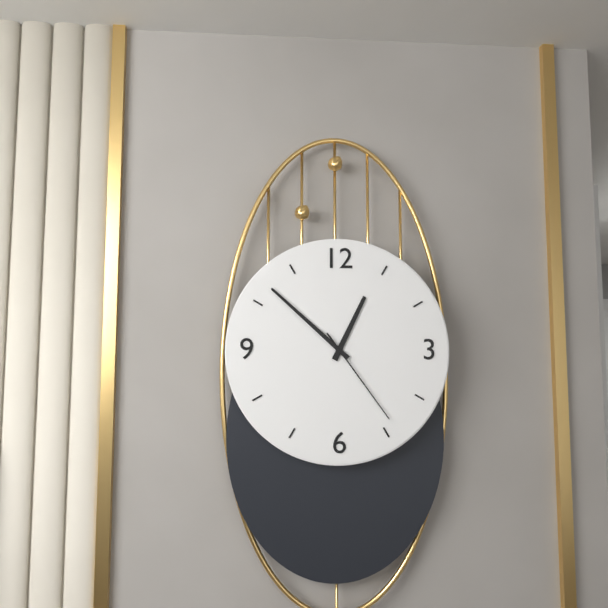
12h52m24s
